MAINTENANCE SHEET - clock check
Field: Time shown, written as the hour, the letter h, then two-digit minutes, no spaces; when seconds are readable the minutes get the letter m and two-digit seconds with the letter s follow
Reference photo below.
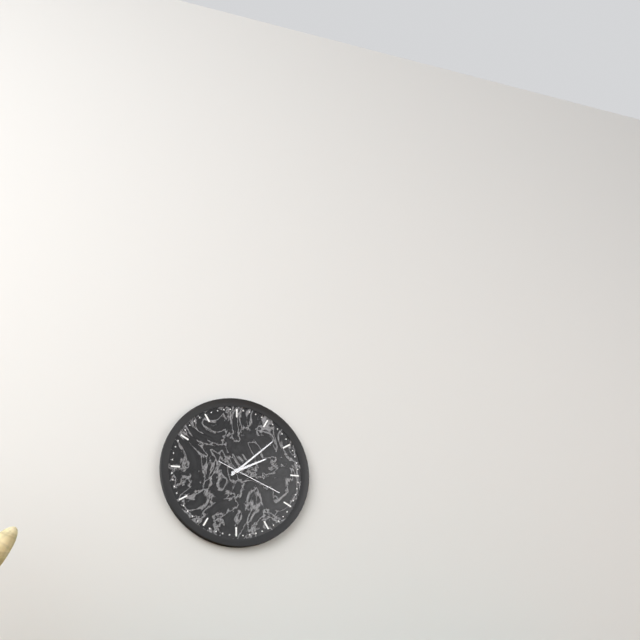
2h08m19s
